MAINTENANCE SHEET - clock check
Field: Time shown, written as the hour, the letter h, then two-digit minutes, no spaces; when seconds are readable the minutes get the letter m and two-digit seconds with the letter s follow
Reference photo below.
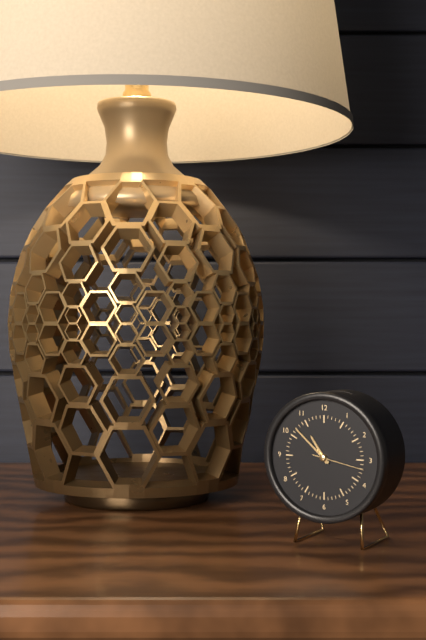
10h52
